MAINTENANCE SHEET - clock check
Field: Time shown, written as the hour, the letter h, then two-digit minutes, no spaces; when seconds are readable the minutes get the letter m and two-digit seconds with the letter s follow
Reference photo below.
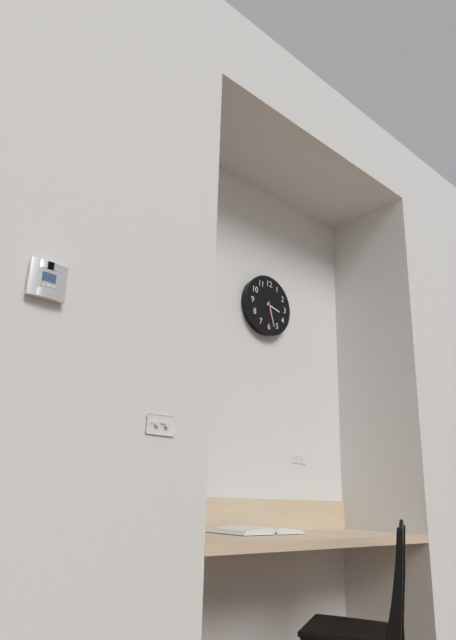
3h27
